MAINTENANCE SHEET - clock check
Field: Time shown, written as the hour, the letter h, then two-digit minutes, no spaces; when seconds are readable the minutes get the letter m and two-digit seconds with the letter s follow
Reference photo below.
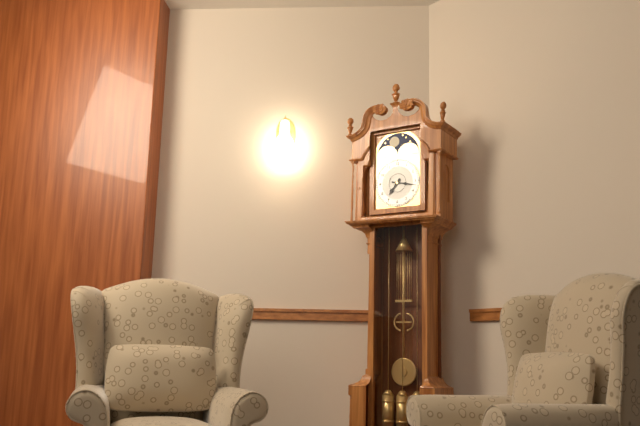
7h17
